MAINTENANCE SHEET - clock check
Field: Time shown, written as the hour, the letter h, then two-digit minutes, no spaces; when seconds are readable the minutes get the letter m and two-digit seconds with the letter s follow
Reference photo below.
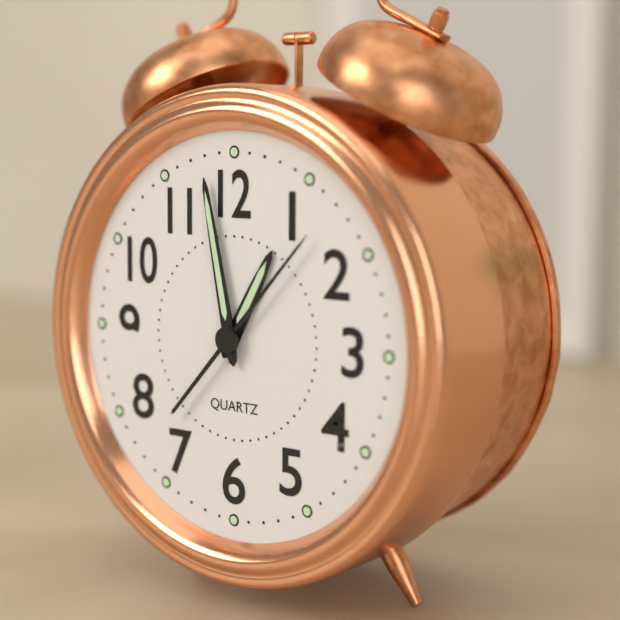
12h58m07s
